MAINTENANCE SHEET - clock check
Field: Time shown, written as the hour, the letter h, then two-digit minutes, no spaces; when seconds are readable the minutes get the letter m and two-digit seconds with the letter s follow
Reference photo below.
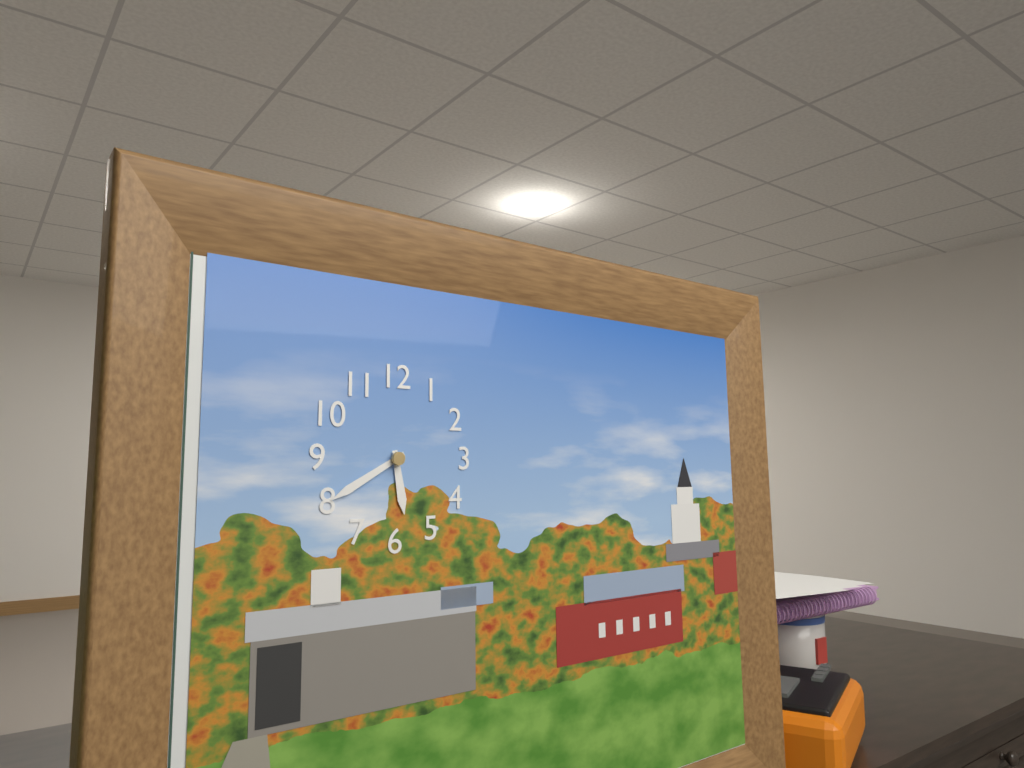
5h40
